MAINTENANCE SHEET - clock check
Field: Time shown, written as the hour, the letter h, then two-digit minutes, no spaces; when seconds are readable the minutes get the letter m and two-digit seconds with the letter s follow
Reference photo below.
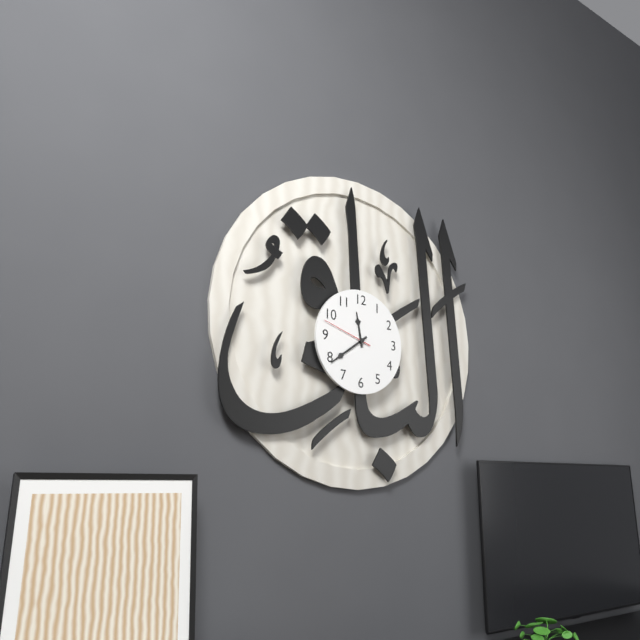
11h39m48s
